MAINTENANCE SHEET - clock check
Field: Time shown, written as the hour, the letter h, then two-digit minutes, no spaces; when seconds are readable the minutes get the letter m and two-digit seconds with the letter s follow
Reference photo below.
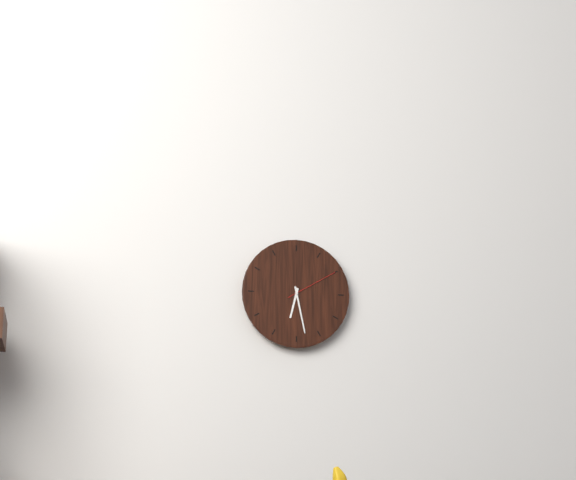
6h28m10s
